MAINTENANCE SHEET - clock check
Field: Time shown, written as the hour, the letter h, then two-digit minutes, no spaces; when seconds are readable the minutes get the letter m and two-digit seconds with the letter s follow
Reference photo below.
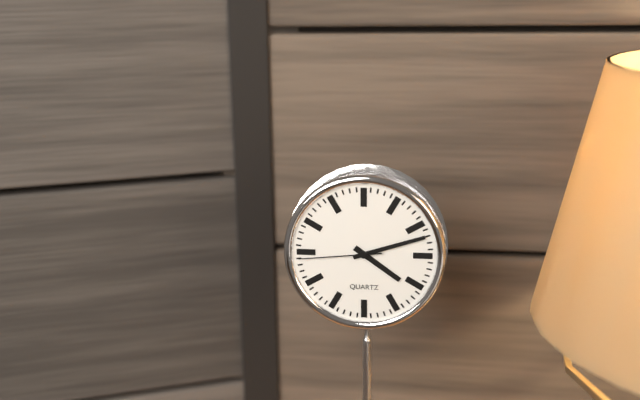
4h12m44s
